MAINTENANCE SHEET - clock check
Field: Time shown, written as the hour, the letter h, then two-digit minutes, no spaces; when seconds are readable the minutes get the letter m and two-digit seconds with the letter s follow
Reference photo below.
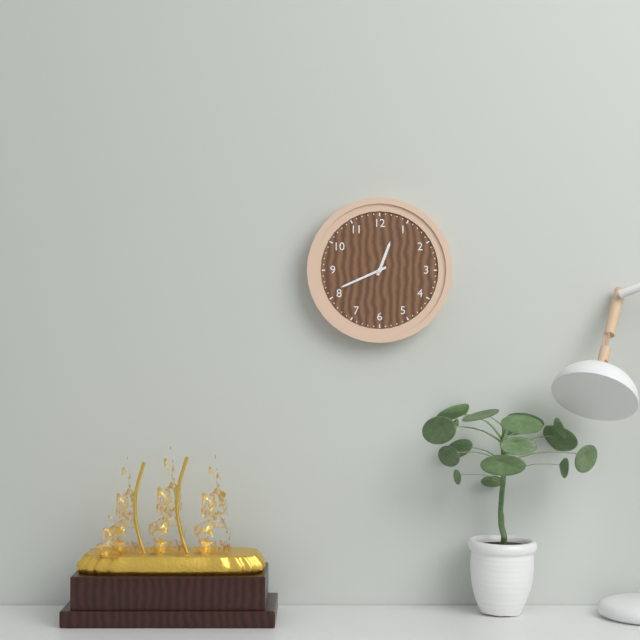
12h41
